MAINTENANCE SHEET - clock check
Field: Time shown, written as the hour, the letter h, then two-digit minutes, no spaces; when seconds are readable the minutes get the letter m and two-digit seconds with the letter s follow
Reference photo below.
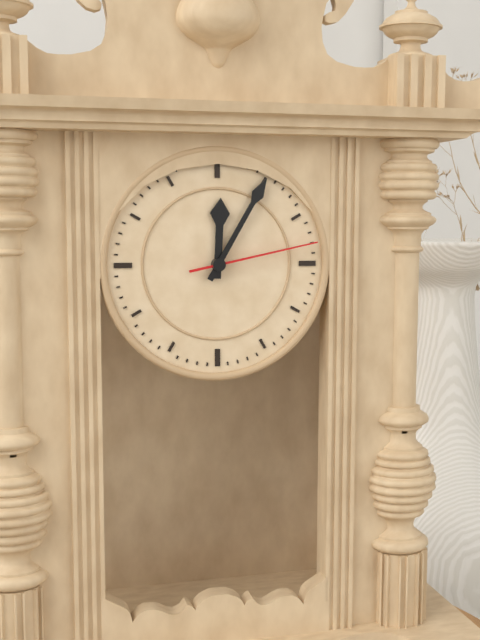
12h05m13s
